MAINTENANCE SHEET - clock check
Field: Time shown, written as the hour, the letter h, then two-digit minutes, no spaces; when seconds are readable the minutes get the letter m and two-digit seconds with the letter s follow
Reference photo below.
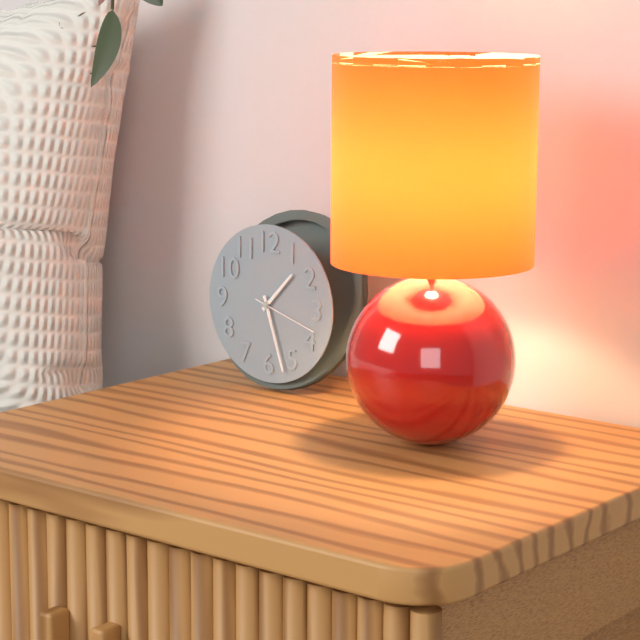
1h27m18s
